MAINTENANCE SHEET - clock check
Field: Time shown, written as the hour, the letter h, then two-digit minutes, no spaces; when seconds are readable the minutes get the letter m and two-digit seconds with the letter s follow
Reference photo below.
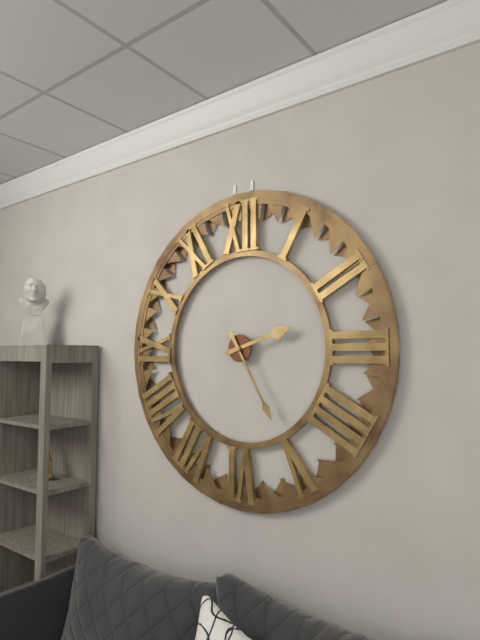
2h25
